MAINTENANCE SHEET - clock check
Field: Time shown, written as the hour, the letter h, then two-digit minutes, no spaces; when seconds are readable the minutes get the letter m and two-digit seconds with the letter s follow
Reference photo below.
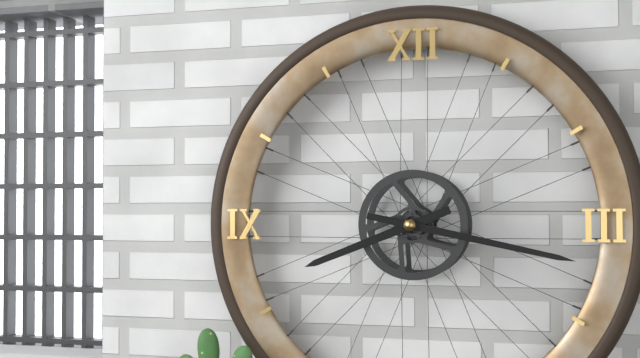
8h17
